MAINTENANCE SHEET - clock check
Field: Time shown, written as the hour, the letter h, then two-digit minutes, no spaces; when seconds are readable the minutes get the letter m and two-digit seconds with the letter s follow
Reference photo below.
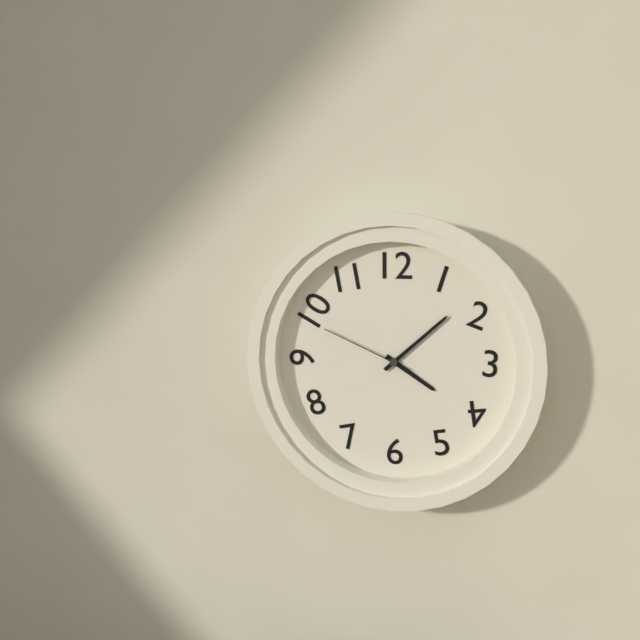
4h08m49s
